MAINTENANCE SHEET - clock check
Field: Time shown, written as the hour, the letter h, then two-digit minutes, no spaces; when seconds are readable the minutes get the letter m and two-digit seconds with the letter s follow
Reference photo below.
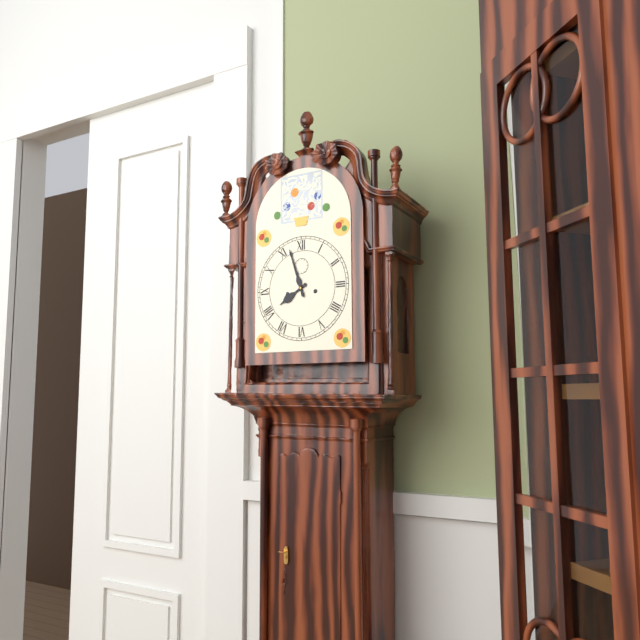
7h57
